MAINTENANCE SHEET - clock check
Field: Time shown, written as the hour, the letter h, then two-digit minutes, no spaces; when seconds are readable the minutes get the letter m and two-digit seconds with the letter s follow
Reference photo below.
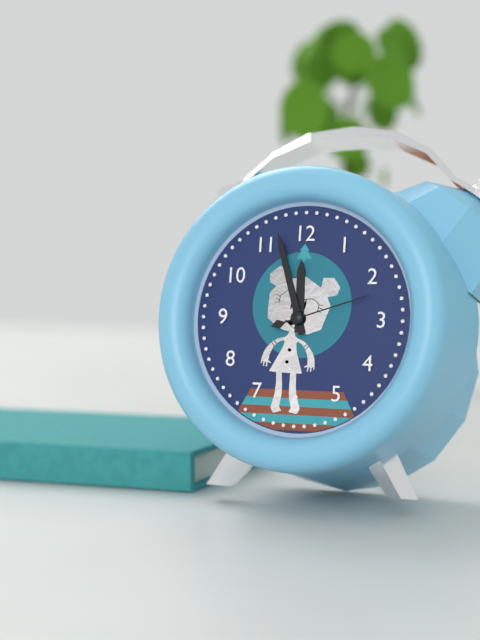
11h57m12s
